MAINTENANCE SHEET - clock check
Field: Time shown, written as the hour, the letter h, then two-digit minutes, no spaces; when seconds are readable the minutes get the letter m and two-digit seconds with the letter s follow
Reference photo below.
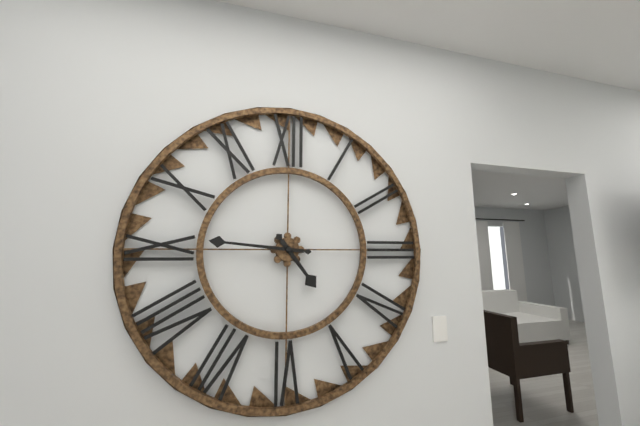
4h46
